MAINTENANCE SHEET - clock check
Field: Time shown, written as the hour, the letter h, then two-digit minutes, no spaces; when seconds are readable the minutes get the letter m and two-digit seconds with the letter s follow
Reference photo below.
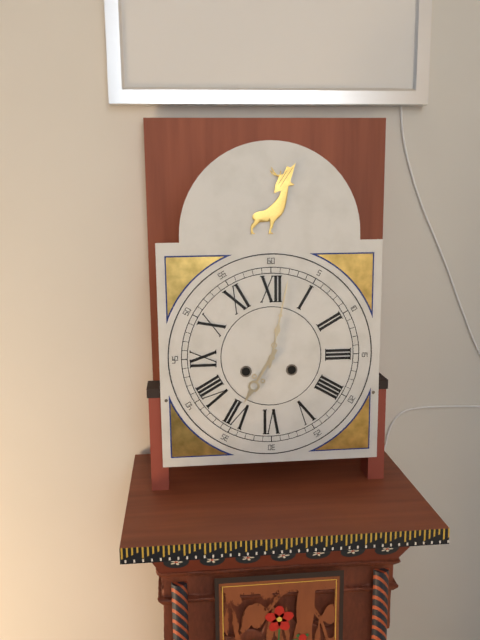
7h02
